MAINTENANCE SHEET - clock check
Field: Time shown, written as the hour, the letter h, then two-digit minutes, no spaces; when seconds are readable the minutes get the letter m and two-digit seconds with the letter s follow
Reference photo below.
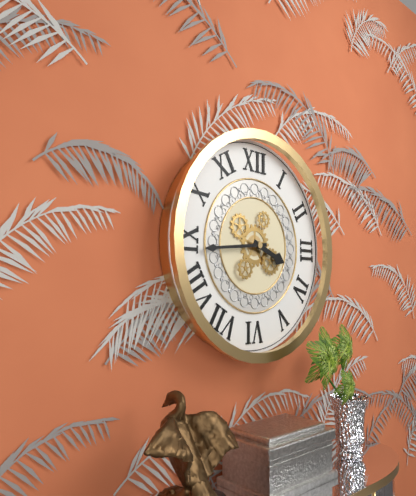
3h44
